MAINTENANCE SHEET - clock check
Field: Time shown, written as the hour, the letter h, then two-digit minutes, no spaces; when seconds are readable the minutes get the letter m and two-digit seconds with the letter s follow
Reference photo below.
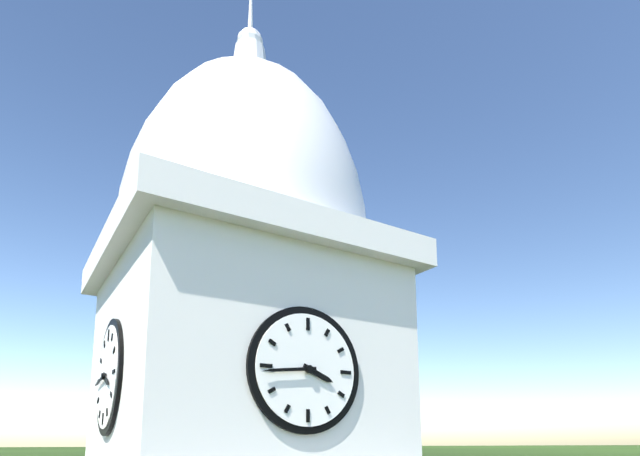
3h44
